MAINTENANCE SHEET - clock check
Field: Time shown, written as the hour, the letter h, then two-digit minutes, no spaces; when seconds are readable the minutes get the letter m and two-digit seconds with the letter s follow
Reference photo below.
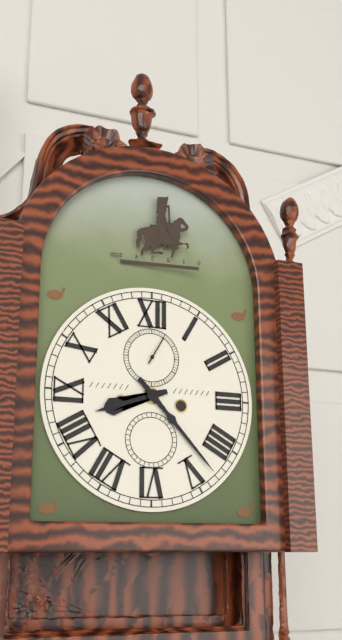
8h23
